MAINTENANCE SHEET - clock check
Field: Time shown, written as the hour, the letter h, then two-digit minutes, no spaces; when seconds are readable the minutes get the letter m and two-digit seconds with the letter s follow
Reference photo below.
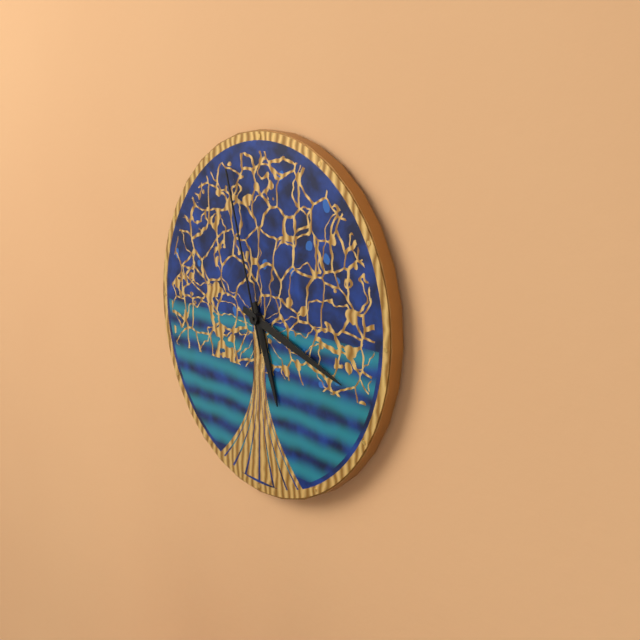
5h18m57s
